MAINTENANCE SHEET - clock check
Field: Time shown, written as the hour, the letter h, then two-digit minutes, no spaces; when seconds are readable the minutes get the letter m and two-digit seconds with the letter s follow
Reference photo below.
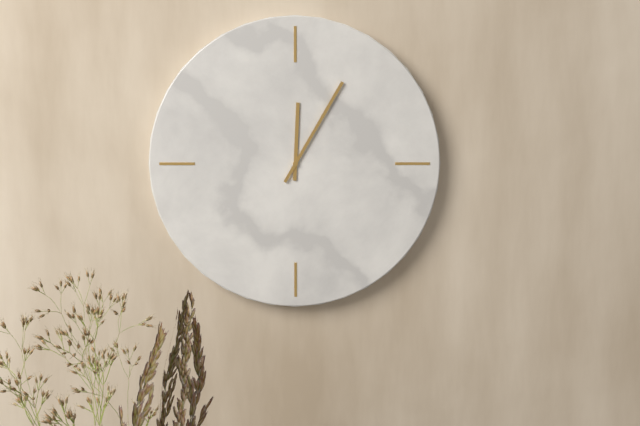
12h05
